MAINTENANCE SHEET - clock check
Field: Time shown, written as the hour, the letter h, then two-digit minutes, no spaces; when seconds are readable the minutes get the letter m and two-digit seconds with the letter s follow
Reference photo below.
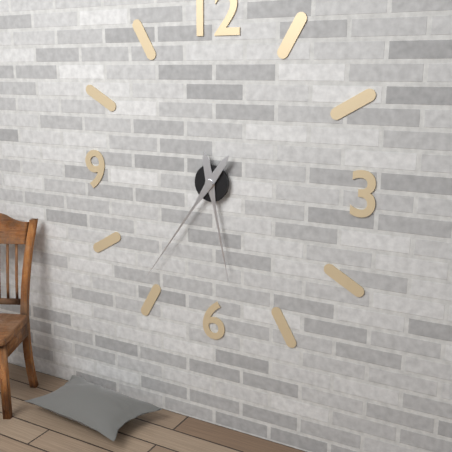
5h36
